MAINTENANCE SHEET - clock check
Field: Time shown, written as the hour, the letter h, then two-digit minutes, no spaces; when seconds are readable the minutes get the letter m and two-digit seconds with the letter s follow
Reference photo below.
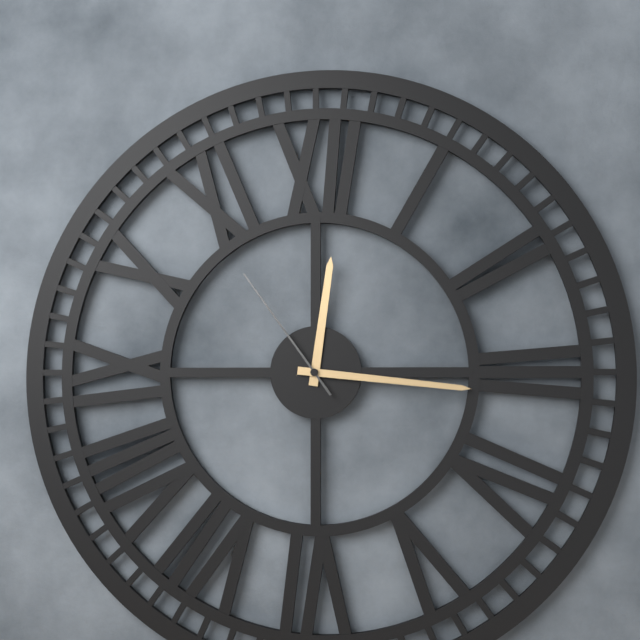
12h16m54s
